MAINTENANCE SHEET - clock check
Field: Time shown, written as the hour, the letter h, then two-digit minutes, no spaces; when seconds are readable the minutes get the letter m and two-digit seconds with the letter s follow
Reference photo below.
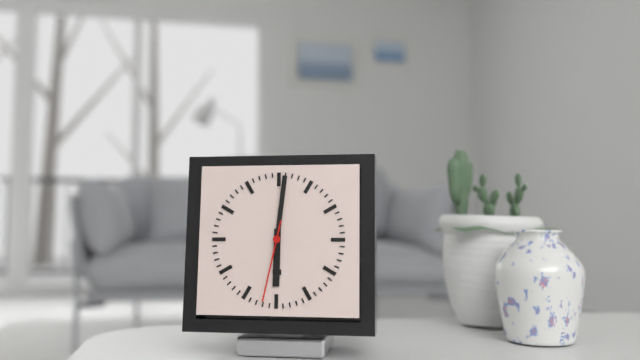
6h01m32s
